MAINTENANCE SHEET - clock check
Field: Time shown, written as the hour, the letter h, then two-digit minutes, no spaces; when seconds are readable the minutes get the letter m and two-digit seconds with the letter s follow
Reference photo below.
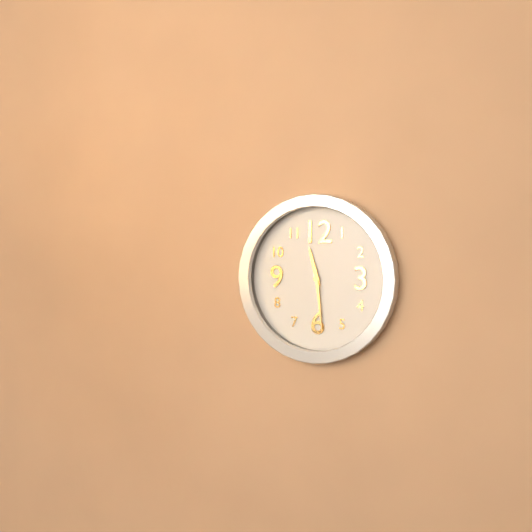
11h29
